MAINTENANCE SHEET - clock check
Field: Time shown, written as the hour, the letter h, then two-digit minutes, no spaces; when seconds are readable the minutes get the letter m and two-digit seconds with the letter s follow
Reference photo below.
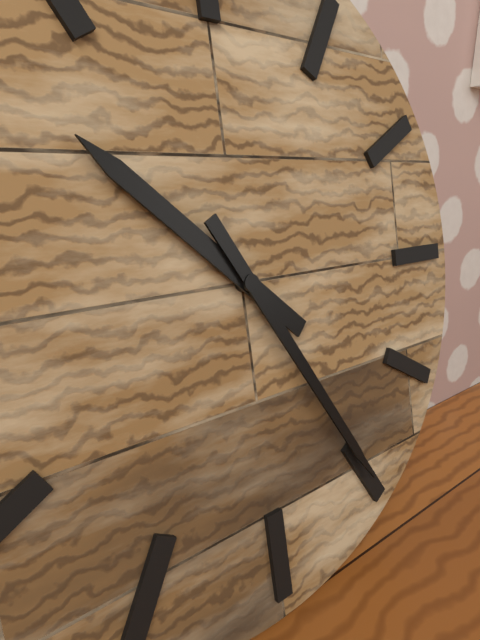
10h25
